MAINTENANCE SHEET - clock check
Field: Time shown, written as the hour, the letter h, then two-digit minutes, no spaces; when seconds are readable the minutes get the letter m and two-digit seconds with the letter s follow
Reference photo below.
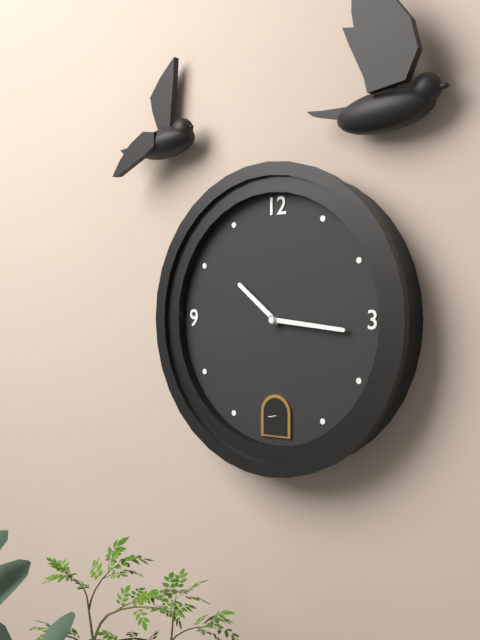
10h16
